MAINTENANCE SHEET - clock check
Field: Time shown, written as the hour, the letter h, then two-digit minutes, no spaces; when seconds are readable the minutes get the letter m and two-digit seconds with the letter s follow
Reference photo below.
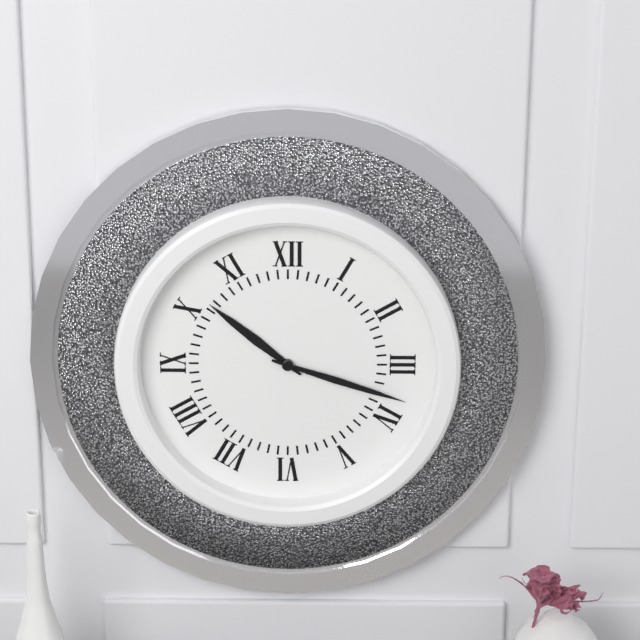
10h18
